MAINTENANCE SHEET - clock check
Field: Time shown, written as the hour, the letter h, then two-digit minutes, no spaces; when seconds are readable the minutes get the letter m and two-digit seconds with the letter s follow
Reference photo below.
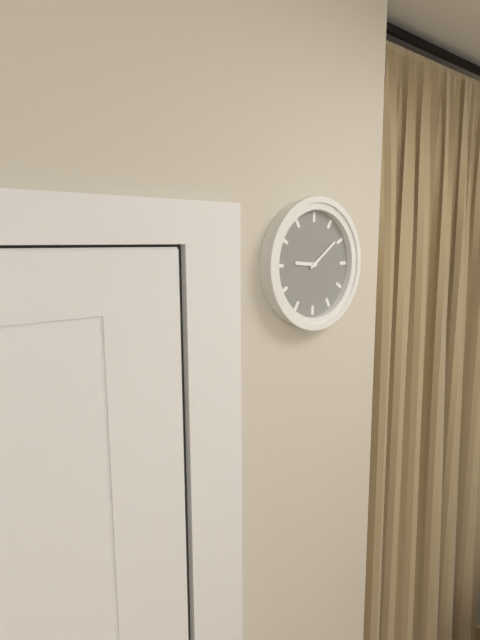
9h09
